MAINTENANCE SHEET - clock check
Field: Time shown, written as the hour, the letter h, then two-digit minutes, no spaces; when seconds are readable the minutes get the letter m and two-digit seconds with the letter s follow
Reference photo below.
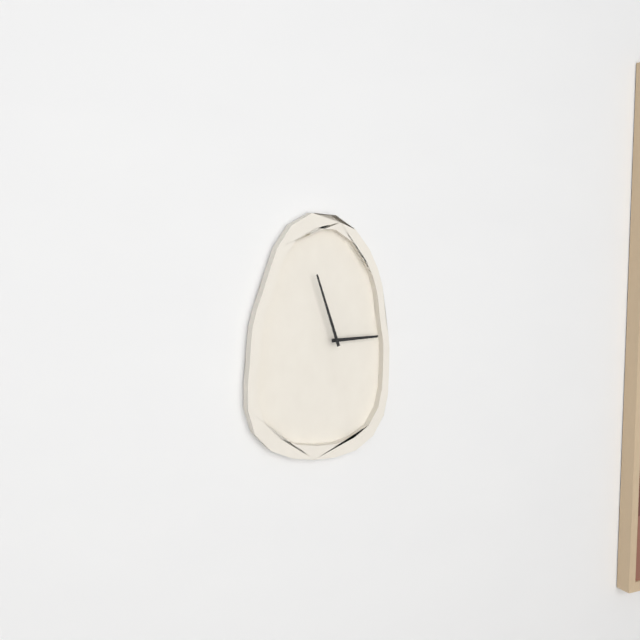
2h57
